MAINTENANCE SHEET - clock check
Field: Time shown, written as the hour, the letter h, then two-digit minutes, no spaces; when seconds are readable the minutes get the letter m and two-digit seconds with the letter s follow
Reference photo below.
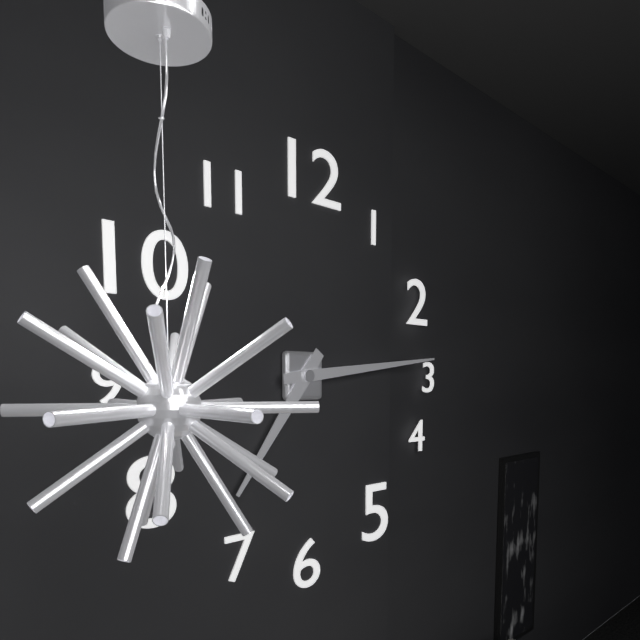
7h14
